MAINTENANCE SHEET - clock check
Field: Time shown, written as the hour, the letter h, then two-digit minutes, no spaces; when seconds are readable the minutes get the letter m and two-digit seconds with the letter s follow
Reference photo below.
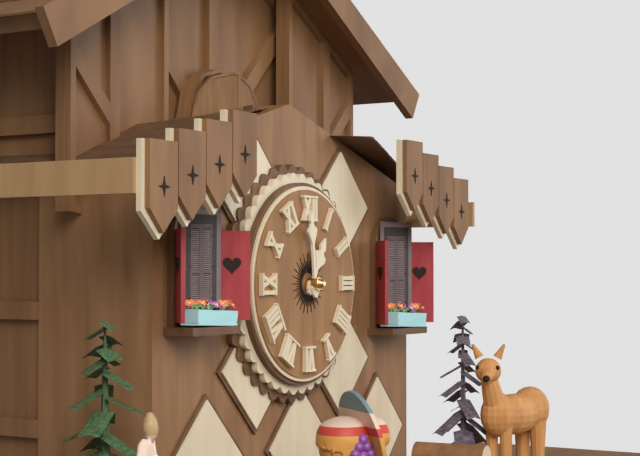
12h59
